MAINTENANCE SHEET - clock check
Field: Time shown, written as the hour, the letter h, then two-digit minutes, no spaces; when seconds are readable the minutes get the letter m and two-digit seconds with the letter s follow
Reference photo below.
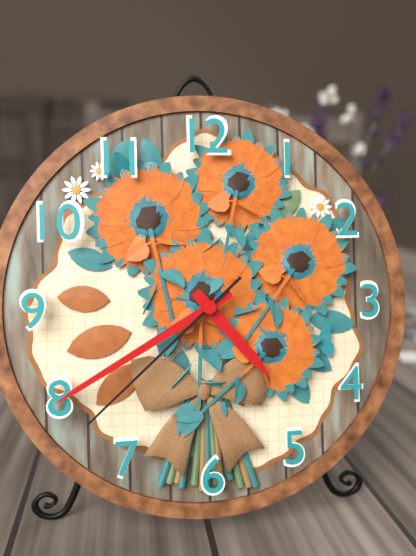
4h40m38s
